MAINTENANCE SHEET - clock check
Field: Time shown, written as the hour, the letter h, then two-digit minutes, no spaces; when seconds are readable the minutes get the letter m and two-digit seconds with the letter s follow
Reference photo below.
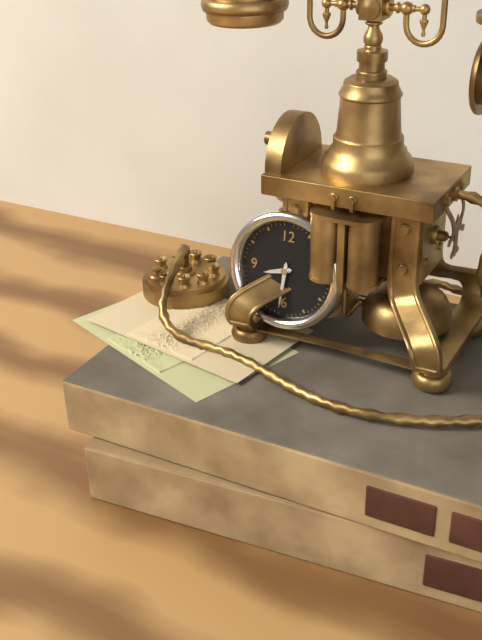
8h31
